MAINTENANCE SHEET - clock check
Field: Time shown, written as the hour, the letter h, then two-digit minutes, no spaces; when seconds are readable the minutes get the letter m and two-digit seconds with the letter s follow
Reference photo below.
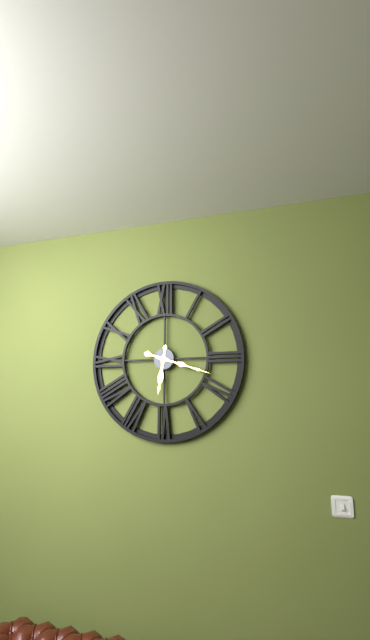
6h18
